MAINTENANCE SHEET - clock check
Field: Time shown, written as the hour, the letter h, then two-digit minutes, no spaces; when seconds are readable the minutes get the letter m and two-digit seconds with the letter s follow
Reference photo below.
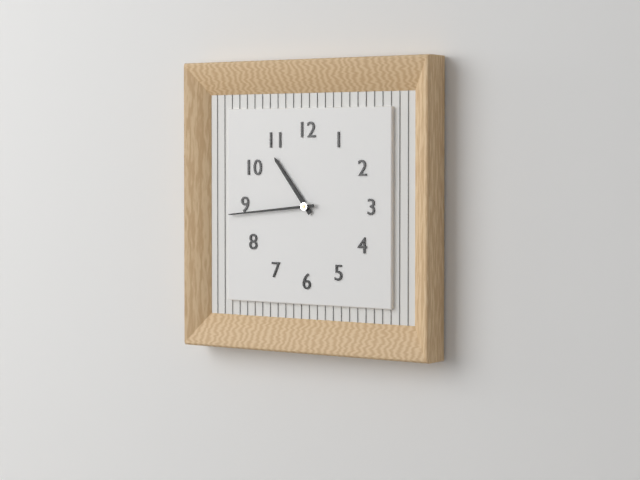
10h44
